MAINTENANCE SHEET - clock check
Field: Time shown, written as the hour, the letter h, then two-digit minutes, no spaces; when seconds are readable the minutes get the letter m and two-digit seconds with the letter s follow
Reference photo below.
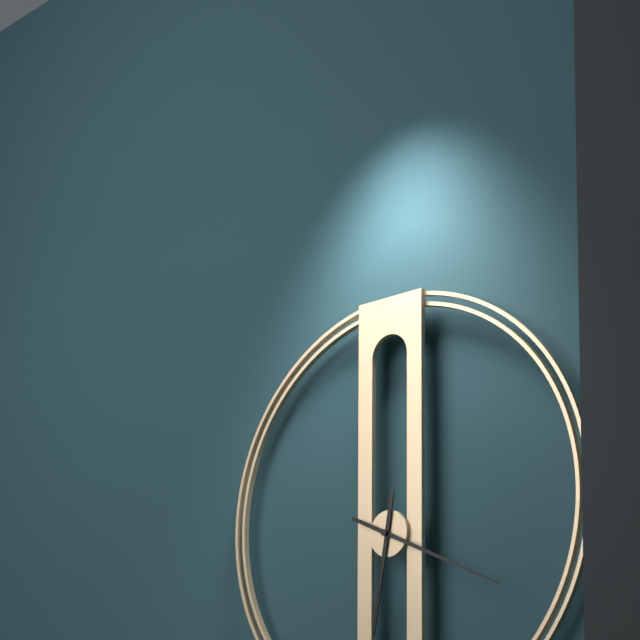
6h19
